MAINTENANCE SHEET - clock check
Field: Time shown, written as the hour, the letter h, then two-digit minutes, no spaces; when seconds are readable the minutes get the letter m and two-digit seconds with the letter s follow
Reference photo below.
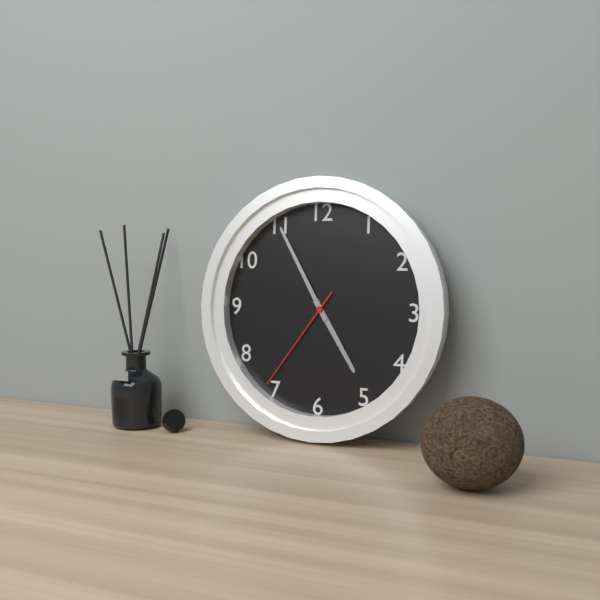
4h55m36s
